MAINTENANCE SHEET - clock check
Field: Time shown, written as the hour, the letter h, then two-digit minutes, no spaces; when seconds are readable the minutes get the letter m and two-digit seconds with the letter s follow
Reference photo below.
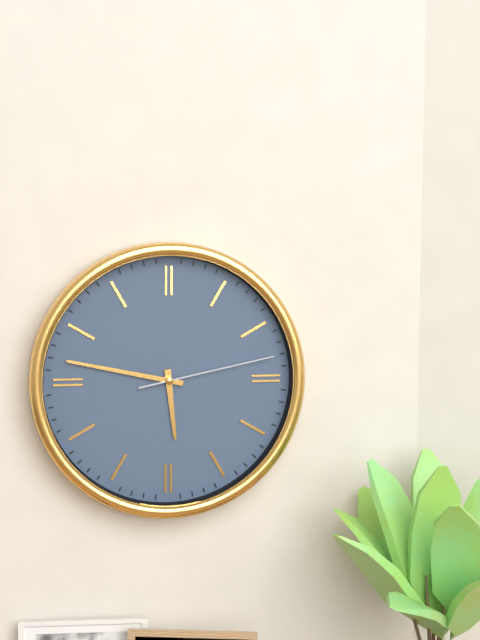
5h47m13s
